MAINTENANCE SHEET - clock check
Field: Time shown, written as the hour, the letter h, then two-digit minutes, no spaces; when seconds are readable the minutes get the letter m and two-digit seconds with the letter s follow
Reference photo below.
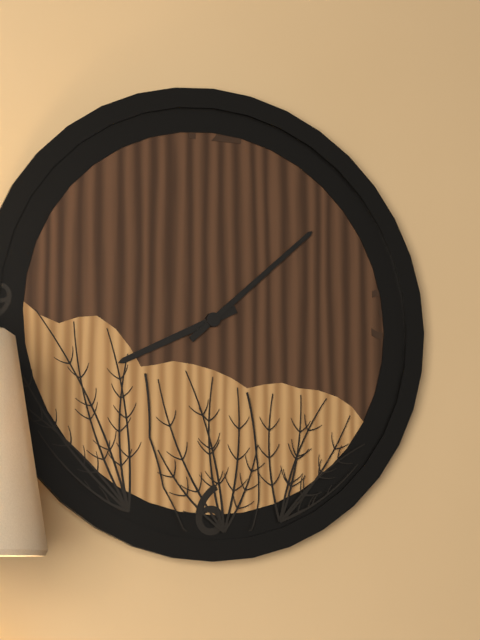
8h08
